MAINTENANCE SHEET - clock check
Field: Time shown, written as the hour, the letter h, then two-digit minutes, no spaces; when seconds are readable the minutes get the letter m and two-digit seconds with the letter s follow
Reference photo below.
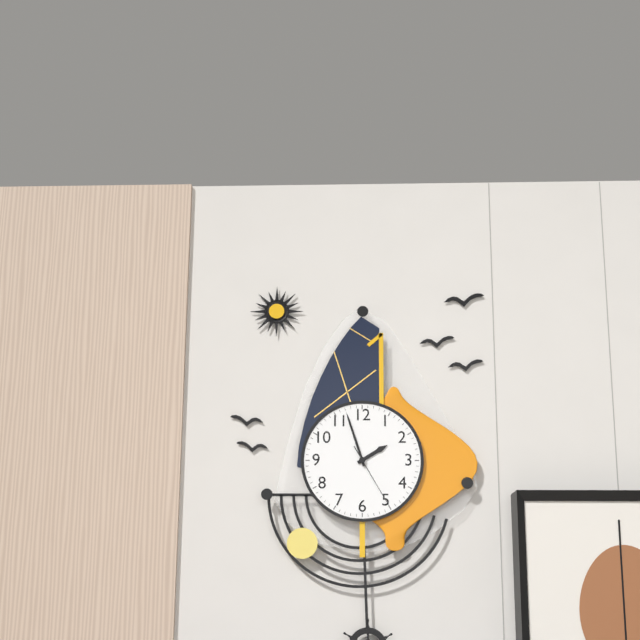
1h57m25s
